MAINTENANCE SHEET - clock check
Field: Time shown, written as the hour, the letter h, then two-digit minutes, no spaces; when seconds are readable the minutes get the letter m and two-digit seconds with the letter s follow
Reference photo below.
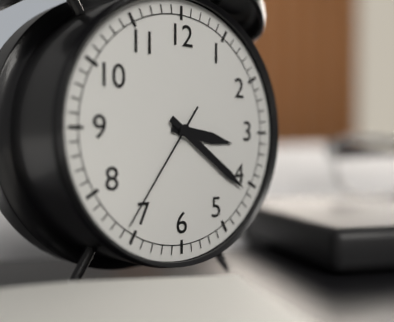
3h21m36s
